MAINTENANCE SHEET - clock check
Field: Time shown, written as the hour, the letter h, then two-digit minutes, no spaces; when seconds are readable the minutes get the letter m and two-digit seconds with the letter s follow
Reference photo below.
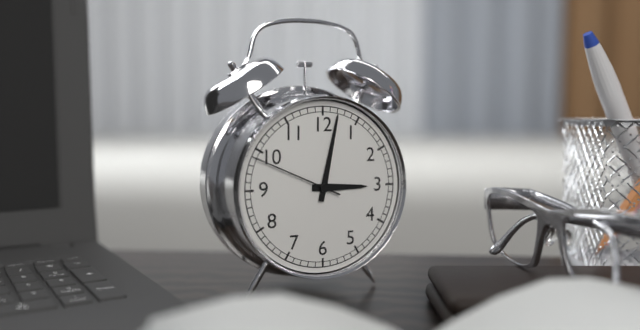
3h02m49s
